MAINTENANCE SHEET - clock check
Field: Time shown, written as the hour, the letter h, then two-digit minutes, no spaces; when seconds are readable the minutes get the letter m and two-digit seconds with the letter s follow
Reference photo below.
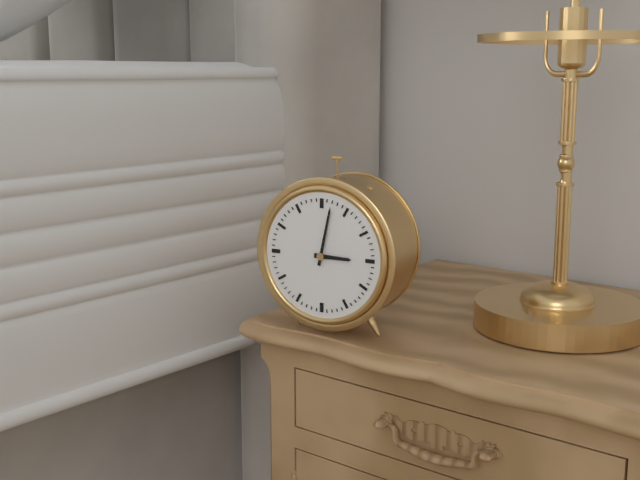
3h02
